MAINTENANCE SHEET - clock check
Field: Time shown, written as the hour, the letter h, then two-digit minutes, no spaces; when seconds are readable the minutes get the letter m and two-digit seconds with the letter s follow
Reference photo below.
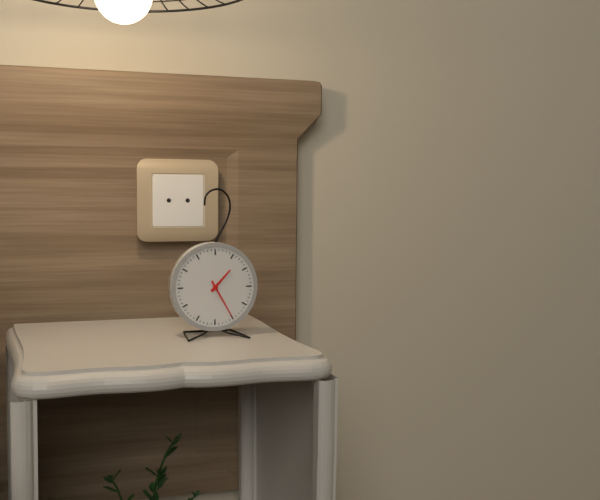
1h25
